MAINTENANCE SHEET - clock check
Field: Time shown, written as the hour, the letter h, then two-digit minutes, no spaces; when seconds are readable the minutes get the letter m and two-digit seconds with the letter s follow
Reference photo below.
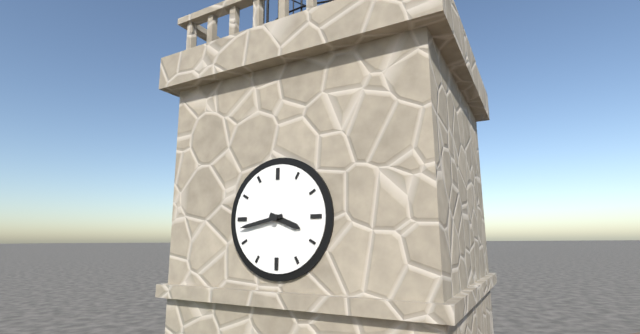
3h43
